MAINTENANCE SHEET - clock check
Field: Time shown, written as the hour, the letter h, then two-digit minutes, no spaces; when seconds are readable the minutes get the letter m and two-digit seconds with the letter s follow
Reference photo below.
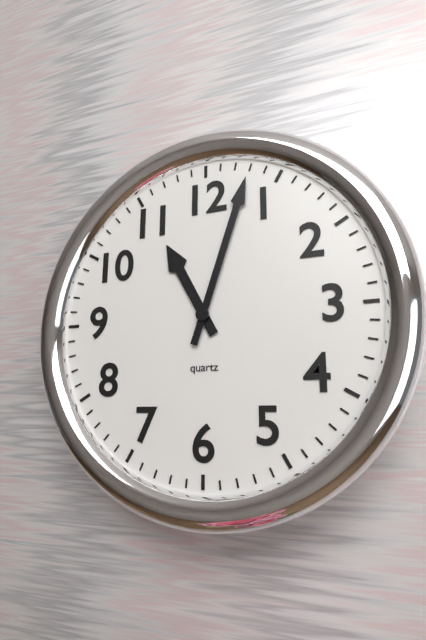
11h03
